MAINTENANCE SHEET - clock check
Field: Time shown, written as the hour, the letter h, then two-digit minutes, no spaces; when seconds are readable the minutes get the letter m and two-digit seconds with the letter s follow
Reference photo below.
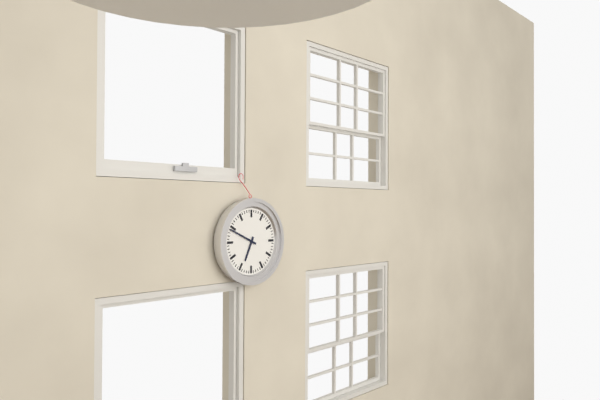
6h49
